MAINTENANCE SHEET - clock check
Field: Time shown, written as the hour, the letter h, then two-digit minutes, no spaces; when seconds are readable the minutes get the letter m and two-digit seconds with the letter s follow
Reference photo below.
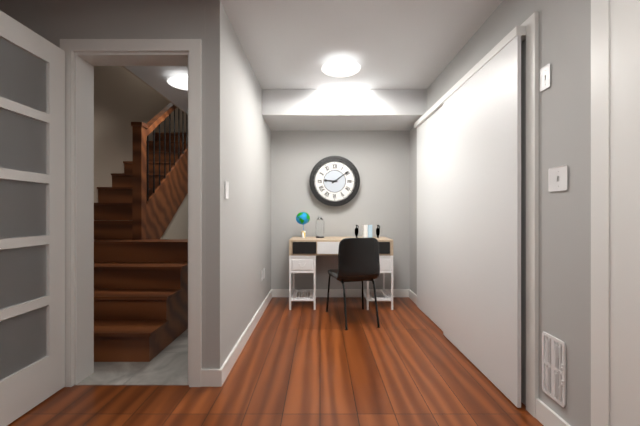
9h09
